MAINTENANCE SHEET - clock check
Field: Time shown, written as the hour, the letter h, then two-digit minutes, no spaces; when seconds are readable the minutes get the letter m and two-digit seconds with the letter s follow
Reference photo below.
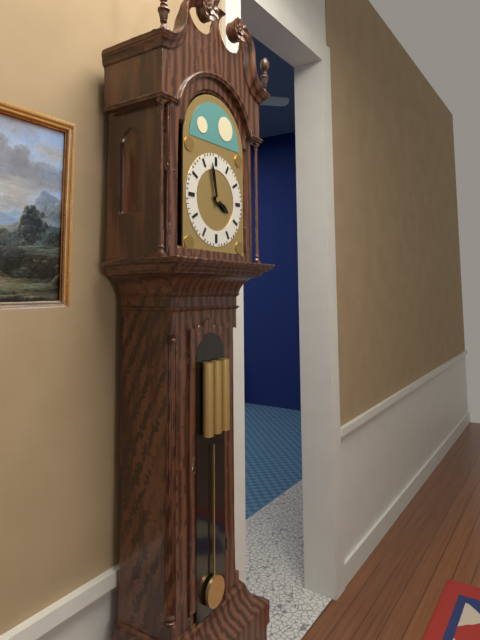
3h58
